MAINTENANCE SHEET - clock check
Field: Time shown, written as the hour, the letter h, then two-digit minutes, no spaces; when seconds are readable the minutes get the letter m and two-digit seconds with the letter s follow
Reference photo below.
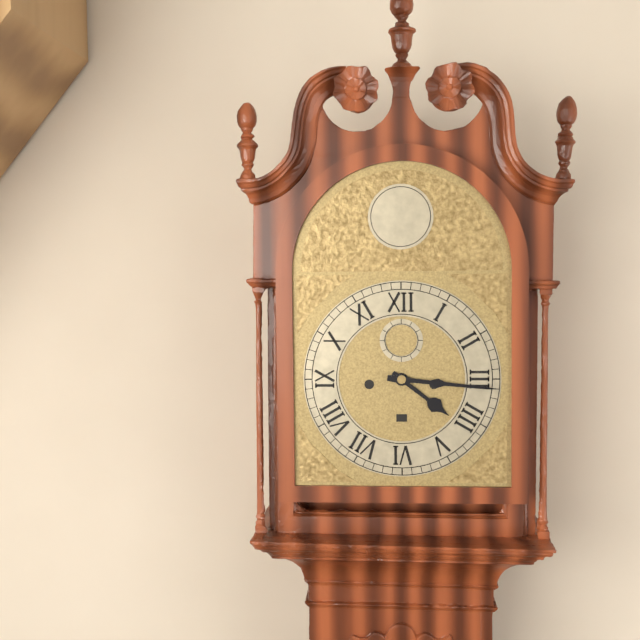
4h16
